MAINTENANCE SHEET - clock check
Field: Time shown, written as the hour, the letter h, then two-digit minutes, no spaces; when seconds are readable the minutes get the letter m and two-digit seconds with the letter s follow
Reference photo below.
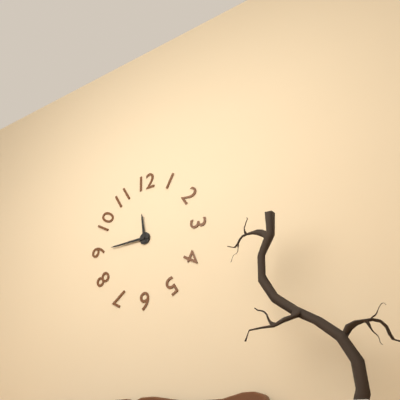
11h45
